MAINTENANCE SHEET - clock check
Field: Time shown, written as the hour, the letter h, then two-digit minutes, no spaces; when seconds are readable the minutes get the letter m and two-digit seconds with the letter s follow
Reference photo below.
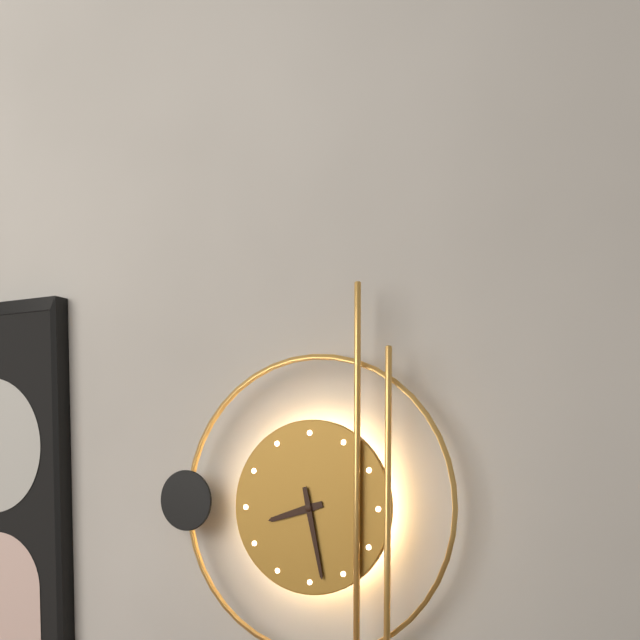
8h28
